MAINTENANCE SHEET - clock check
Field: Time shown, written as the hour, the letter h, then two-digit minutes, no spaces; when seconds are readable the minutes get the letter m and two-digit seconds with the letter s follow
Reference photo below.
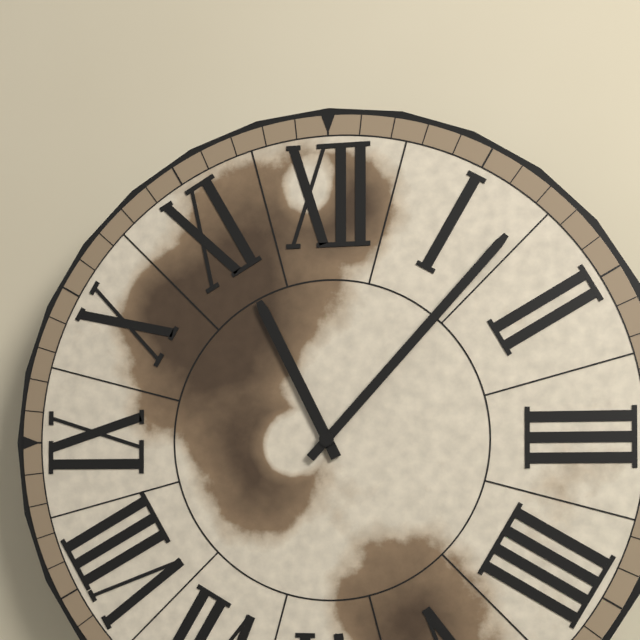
11h07
